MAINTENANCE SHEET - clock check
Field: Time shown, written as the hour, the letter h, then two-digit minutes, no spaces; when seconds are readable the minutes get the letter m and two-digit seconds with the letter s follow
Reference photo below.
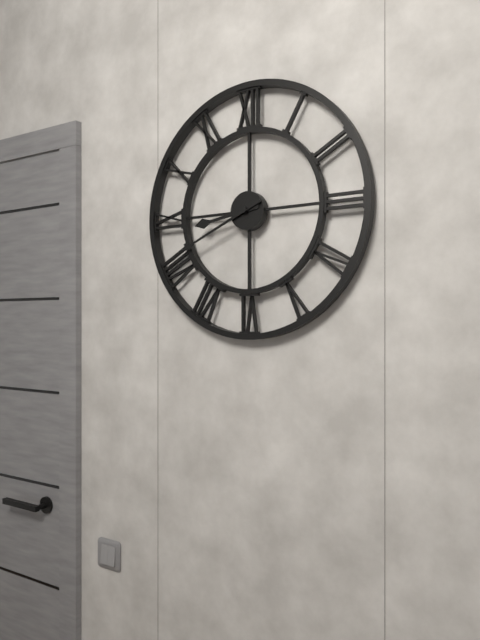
8h41
